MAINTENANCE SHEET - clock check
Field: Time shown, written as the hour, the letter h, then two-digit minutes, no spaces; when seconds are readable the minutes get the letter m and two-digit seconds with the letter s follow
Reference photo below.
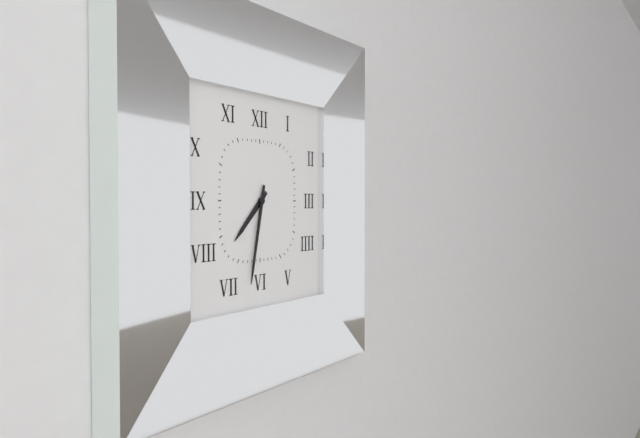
7h32
